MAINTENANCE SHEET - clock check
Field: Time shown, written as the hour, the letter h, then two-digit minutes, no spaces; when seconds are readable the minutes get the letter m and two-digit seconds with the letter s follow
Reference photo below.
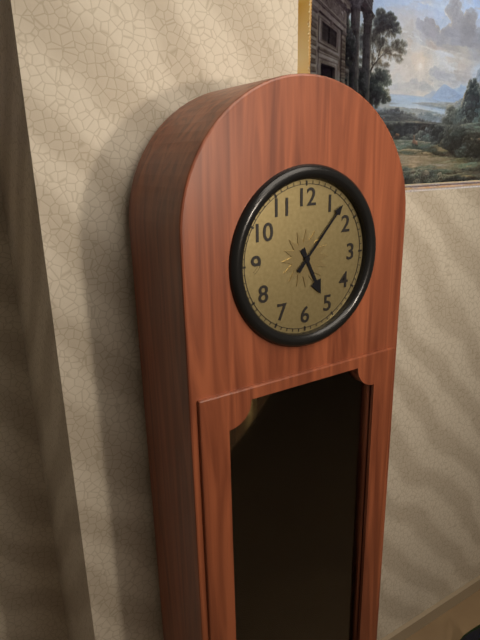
5h07
